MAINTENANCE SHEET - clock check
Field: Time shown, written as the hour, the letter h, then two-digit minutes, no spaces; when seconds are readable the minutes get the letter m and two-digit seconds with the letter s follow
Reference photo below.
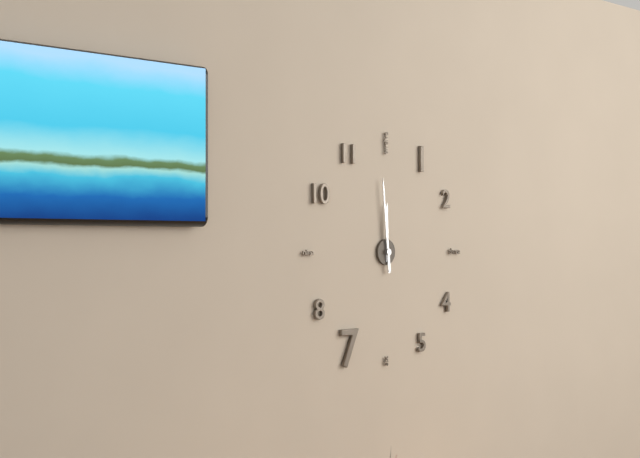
11h59
